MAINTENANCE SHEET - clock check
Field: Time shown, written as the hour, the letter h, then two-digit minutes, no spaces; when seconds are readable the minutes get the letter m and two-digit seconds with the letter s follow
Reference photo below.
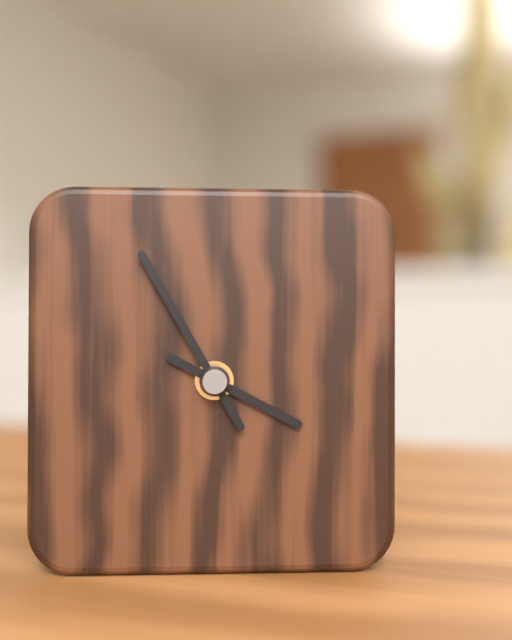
3h55
